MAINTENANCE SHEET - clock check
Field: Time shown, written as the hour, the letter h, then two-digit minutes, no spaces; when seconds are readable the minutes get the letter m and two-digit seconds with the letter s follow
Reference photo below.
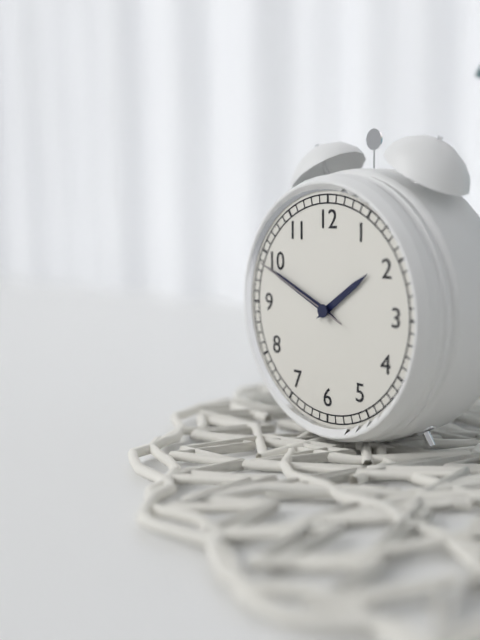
1h49m49s
